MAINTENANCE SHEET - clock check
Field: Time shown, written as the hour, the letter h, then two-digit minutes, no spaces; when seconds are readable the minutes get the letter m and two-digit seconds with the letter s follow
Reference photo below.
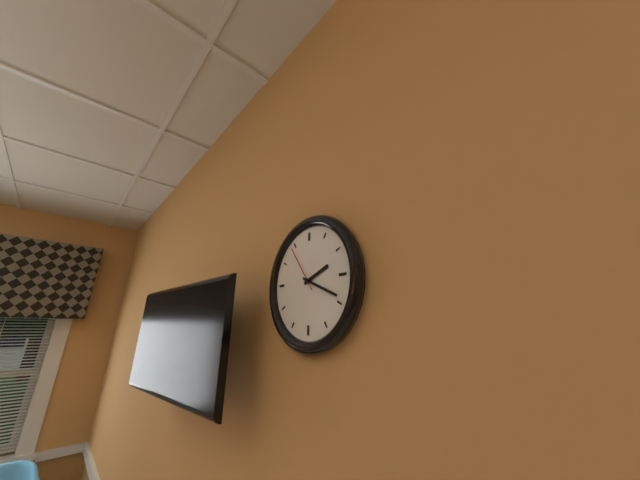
2h19
